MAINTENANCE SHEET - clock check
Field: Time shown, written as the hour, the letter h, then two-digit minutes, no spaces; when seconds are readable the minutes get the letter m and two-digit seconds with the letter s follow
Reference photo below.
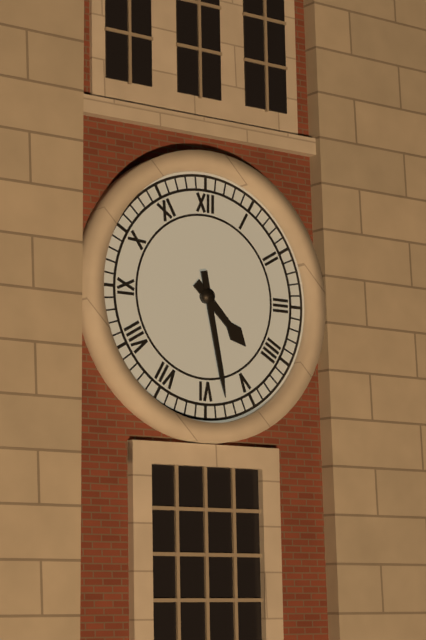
4h28
